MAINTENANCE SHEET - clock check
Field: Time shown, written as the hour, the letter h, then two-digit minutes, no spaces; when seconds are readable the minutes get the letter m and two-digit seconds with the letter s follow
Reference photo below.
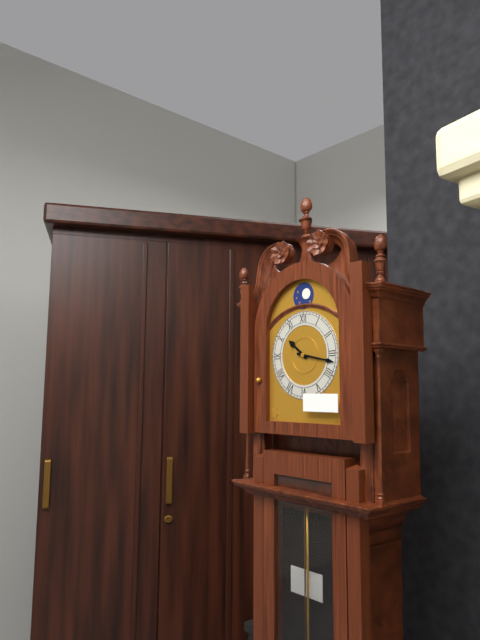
10h17
